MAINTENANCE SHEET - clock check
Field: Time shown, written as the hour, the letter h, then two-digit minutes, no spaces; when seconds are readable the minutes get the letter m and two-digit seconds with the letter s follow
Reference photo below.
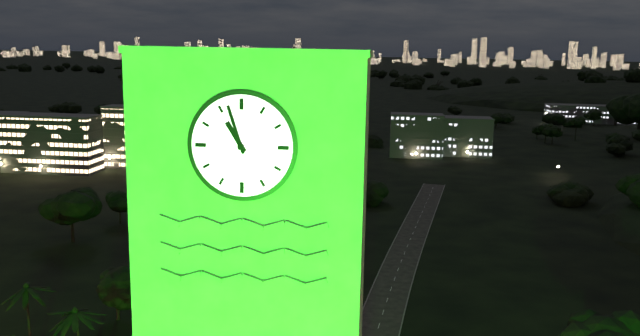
10h57
